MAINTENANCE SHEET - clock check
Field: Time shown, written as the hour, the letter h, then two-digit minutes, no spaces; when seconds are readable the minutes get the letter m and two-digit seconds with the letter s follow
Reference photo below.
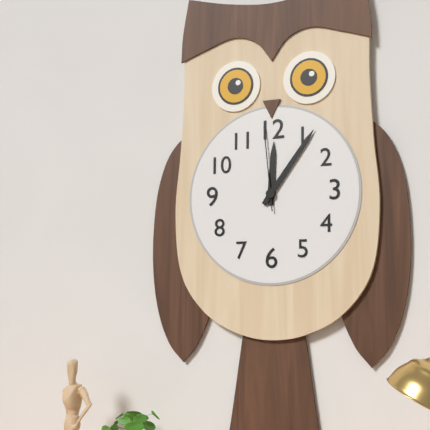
12h06m59s
